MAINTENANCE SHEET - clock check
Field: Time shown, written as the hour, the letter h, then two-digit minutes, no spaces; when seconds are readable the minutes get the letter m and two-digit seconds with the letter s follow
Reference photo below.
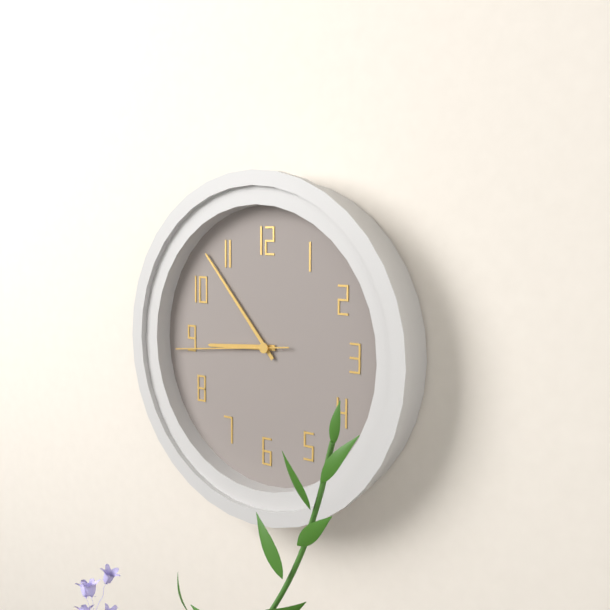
8h53m44s
